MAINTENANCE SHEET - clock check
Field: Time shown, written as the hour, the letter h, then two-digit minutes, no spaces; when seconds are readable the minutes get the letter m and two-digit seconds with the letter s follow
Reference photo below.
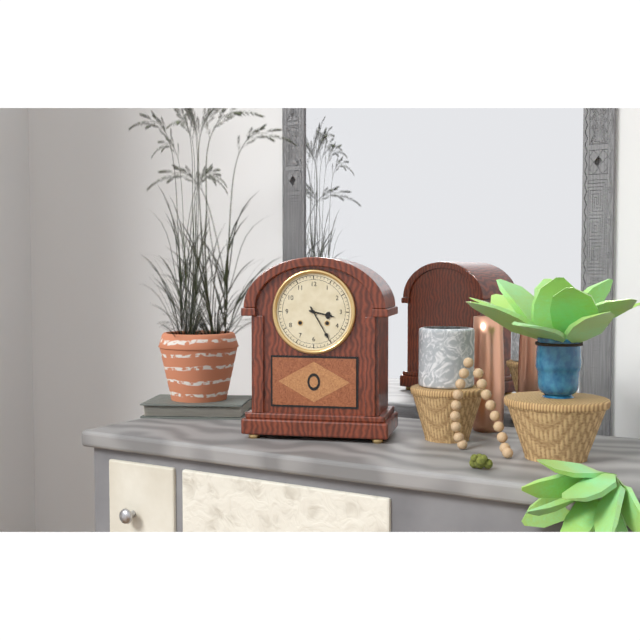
3h25
